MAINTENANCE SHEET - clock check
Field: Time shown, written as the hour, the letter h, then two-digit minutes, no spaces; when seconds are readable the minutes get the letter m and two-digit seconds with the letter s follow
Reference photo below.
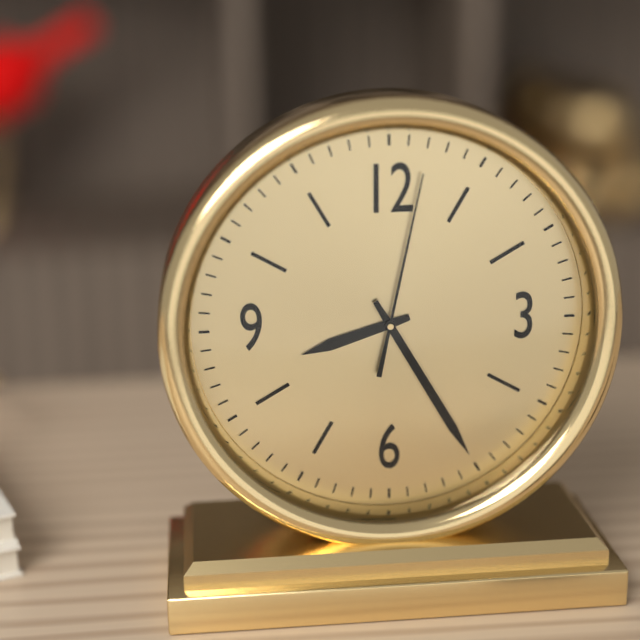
8h25m02s
